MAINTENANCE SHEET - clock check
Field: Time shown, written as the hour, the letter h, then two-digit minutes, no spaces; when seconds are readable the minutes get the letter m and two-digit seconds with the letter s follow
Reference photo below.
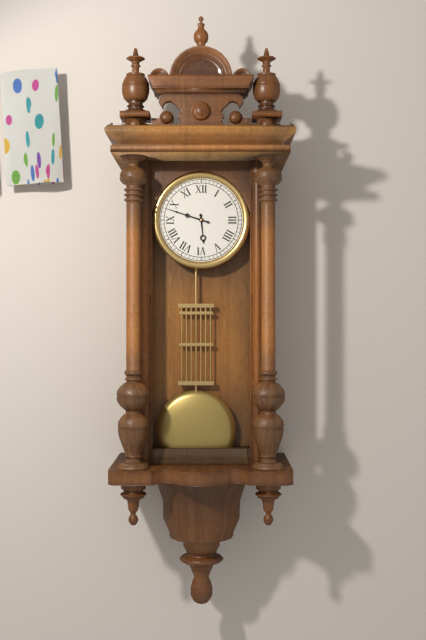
5h48
